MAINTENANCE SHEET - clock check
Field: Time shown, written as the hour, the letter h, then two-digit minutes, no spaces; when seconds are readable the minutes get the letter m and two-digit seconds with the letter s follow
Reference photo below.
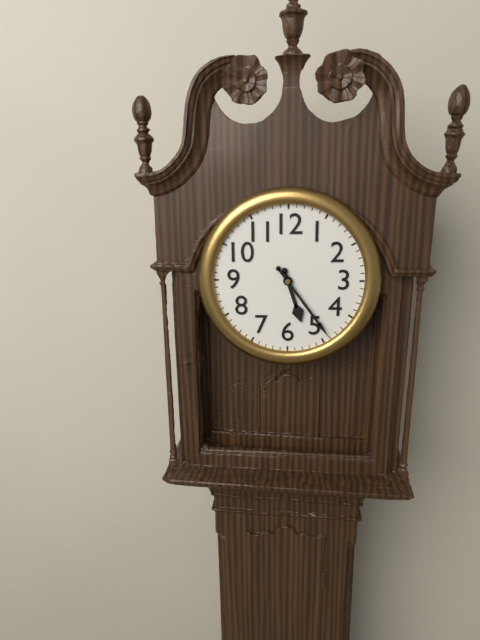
5h24
